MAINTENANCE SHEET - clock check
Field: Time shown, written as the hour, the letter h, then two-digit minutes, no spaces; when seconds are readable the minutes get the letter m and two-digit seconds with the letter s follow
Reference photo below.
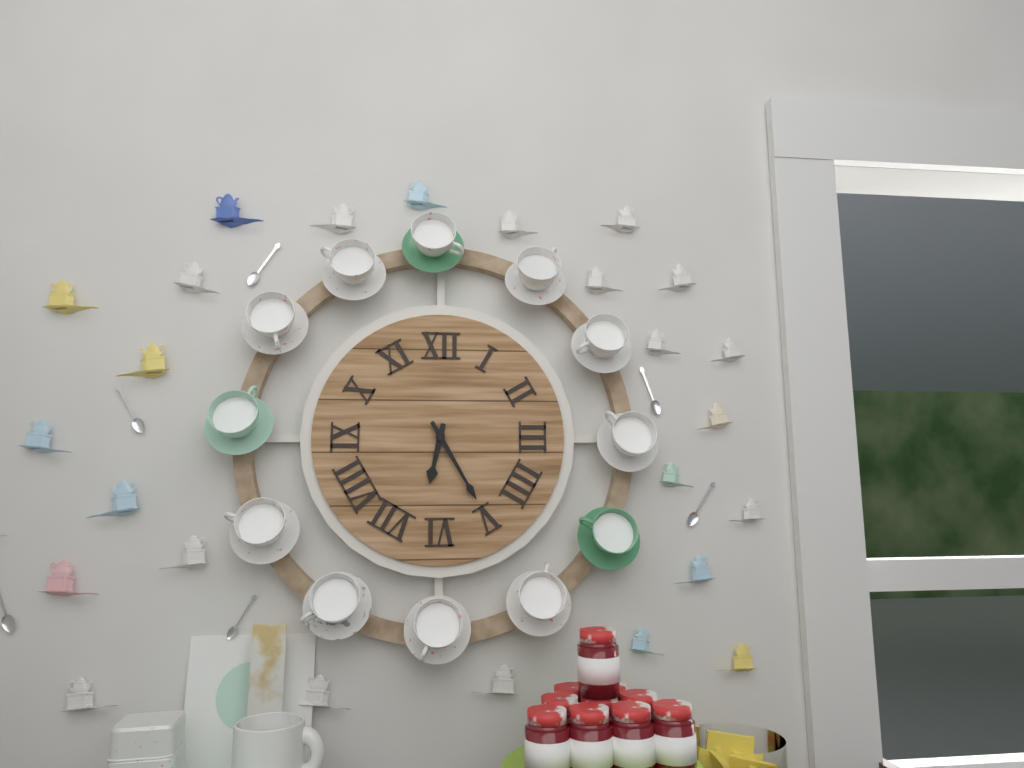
6h25
